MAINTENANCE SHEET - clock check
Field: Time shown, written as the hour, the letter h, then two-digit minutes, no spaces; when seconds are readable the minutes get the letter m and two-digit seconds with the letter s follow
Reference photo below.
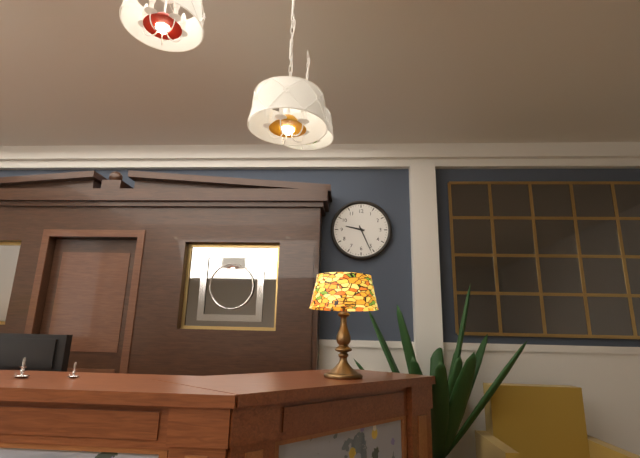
9h26
